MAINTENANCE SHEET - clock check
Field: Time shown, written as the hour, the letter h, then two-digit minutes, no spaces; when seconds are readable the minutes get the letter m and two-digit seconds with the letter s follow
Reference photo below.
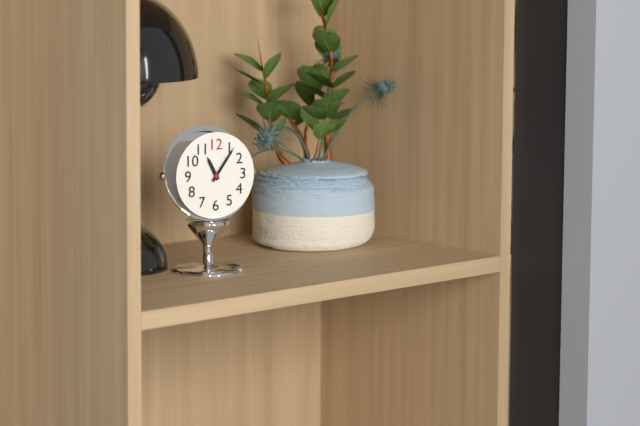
11h06
